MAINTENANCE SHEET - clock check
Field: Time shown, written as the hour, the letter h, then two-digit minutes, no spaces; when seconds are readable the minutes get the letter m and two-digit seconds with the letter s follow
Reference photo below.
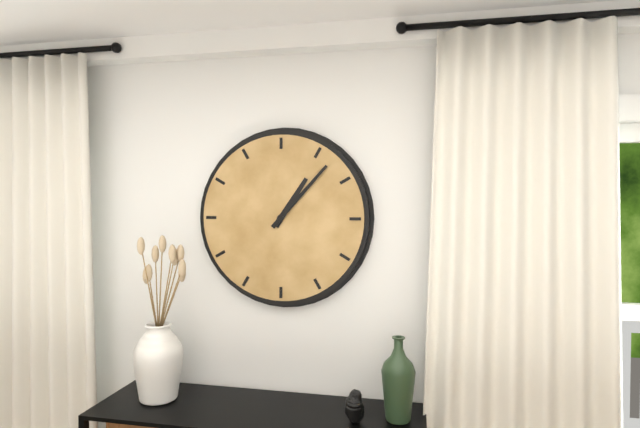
1h07
